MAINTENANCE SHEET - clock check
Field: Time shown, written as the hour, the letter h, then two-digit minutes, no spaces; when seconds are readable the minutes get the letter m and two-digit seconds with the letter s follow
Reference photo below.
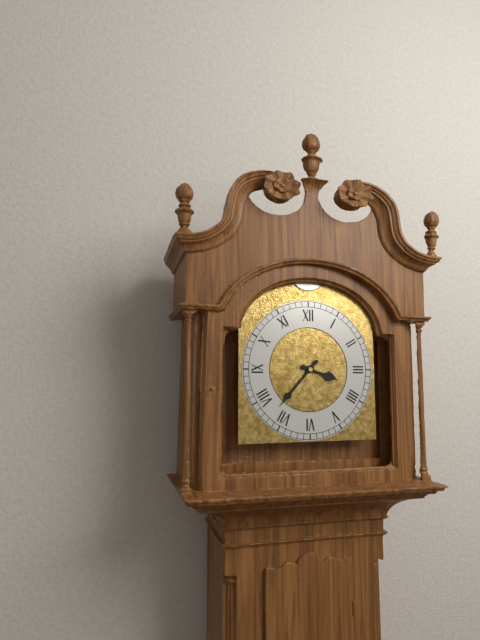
3h37
